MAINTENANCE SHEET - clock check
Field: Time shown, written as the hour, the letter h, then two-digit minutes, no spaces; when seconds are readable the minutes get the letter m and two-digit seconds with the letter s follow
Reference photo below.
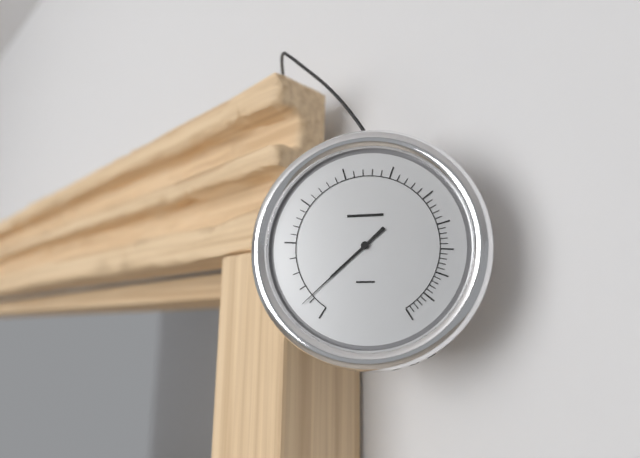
7h38
